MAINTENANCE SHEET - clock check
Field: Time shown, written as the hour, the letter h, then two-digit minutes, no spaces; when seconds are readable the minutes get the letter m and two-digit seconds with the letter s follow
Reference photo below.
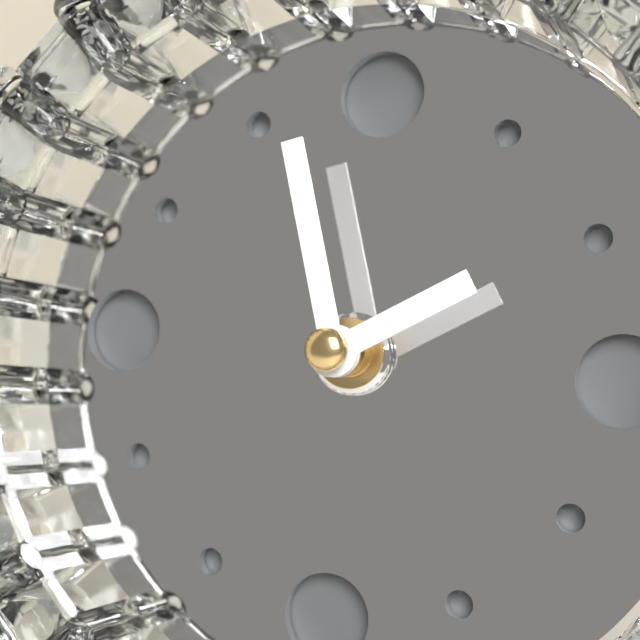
1h57
